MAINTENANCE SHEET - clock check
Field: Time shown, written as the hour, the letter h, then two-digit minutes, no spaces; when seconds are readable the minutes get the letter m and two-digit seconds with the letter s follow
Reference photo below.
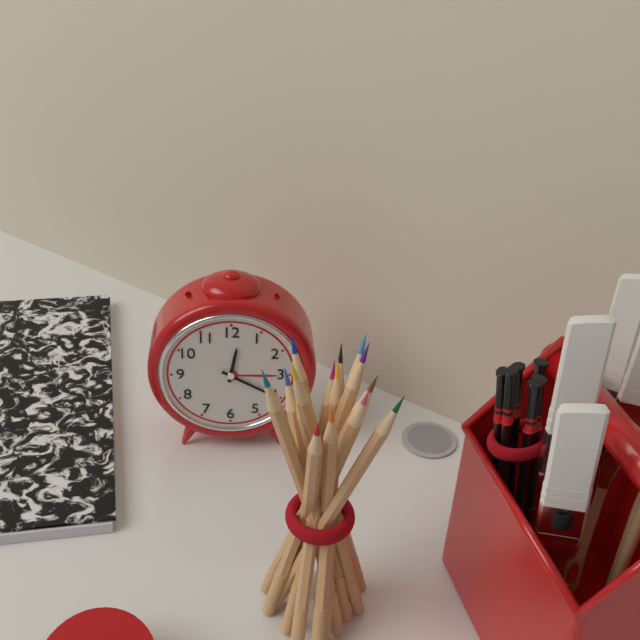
12h20
